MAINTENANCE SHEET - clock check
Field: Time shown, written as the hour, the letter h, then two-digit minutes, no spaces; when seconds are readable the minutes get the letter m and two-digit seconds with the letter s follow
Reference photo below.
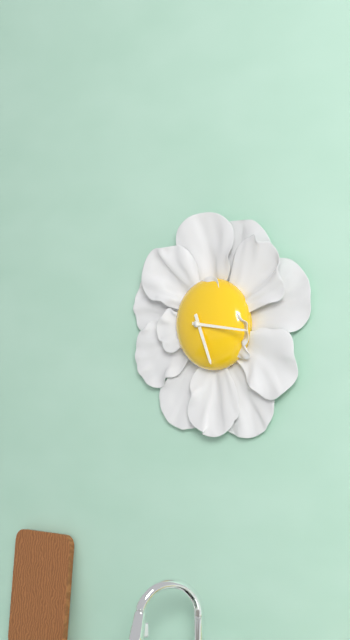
5h16
